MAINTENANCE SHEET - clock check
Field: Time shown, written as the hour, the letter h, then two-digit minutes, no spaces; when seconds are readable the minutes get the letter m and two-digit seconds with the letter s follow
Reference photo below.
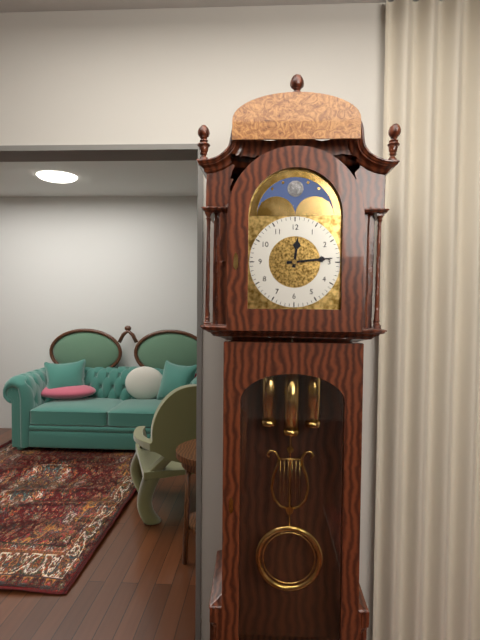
12h14
